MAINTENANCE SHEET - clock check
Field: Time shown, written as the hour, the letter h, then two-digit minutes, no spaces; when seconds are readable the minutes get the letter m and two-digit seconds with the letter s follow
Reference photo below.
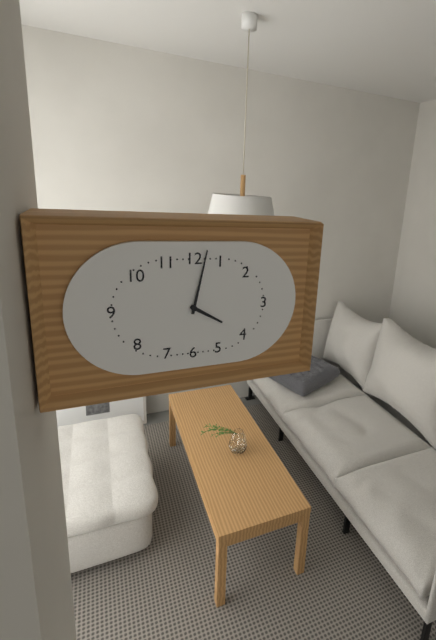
4h02
